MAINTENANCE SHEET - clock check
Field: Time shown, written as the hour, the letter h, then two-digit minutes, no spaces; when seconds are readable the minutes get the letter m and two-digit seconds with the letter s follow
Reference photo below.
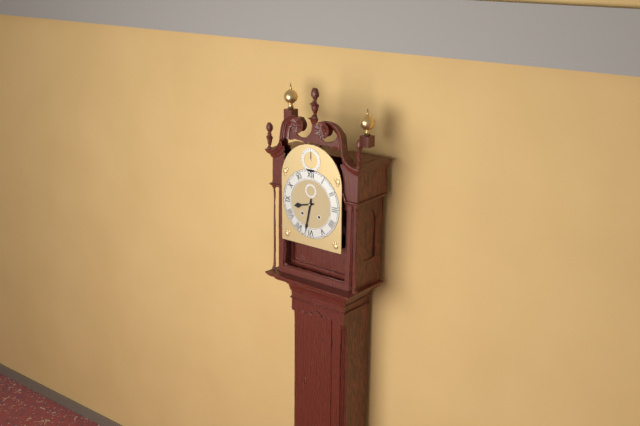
8h32
